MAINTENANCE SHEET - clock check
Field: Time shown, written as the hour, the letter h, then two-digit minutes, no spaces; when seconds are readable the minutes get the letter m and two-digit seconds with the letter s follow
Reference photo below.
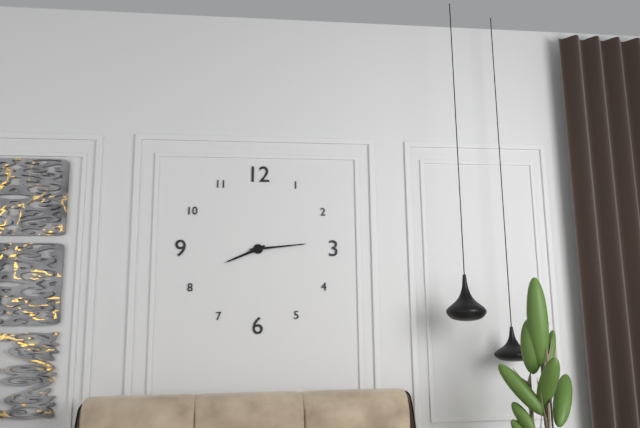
8h14
